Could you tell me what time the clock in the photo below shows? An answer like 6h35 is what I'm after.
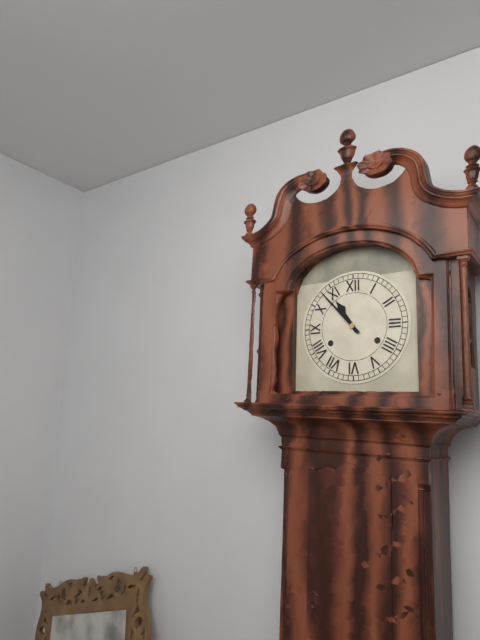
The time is 10h53
